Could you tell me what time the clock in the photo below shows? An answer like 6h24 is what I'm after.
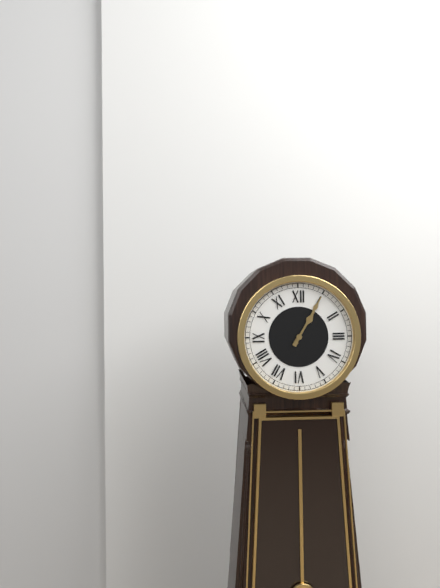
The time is 1h05
